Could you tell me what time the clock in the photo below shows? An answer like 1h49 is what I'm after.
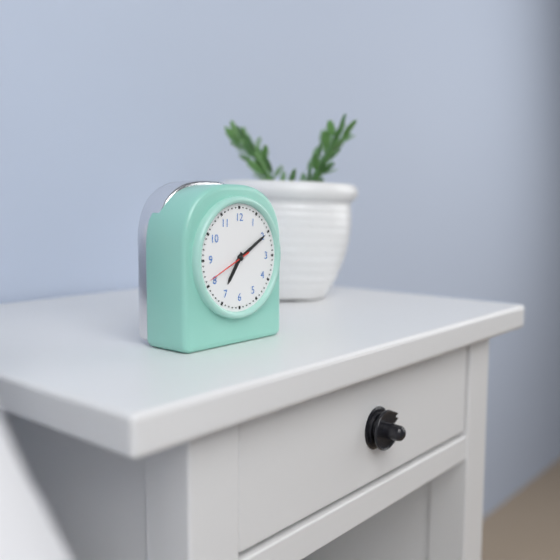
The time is 7h10
